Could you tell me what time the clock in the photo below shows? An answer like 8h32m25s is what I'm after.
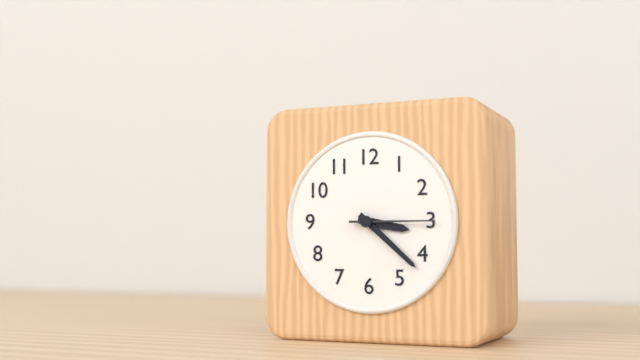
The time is 3h22m15s
